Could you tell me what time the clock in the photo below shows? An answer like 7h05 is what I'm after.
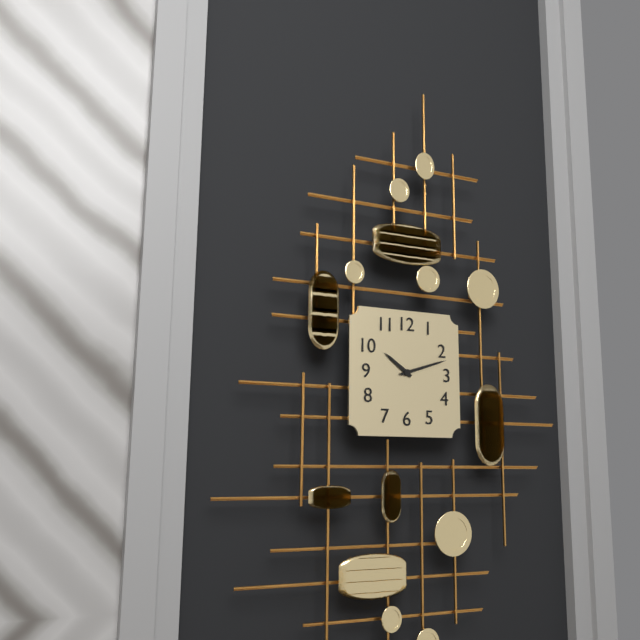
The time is 10h12
